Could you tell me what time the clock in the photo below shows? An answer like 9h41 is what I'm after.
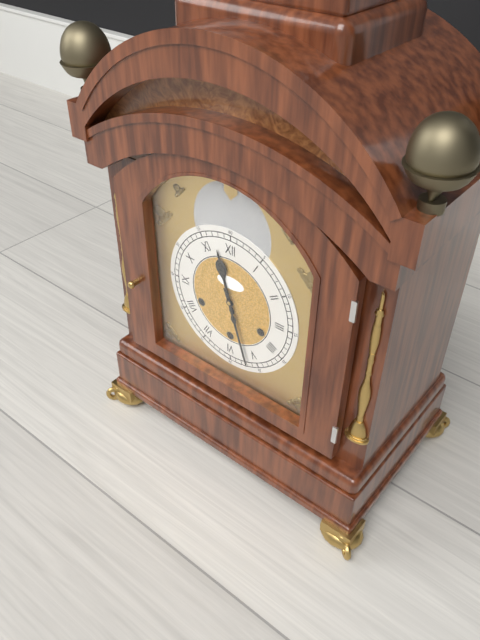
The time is 11h27
